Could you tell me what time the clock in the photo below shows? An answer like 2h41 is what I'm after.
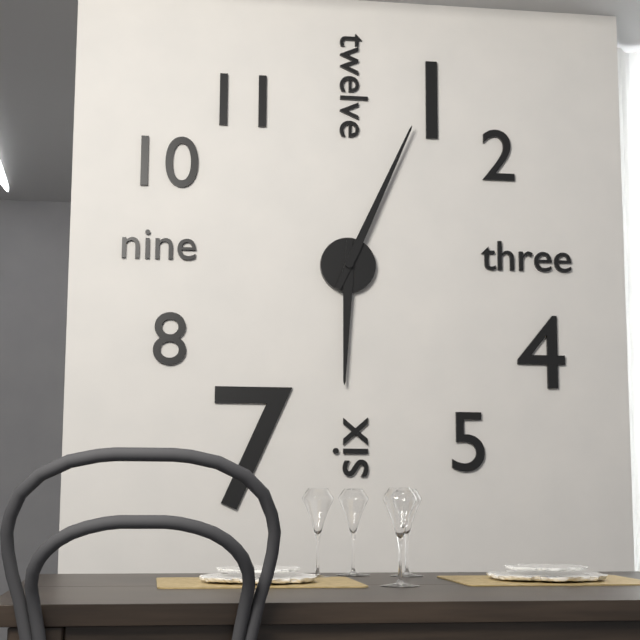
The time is 6h04
